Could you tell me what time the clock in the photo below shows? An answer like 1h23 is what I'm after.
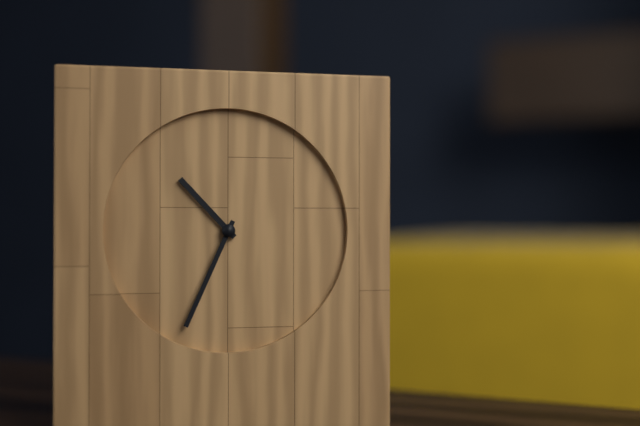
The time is 10h34
